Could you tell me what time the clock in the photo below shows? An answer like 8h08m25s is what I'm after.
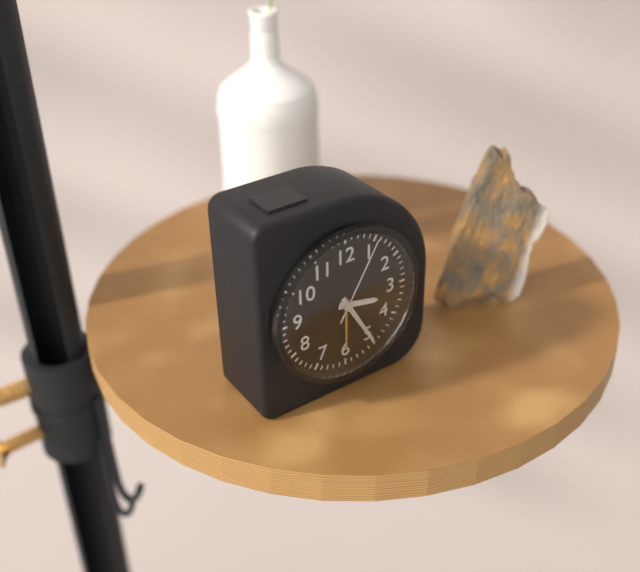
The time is 3h25m05s
